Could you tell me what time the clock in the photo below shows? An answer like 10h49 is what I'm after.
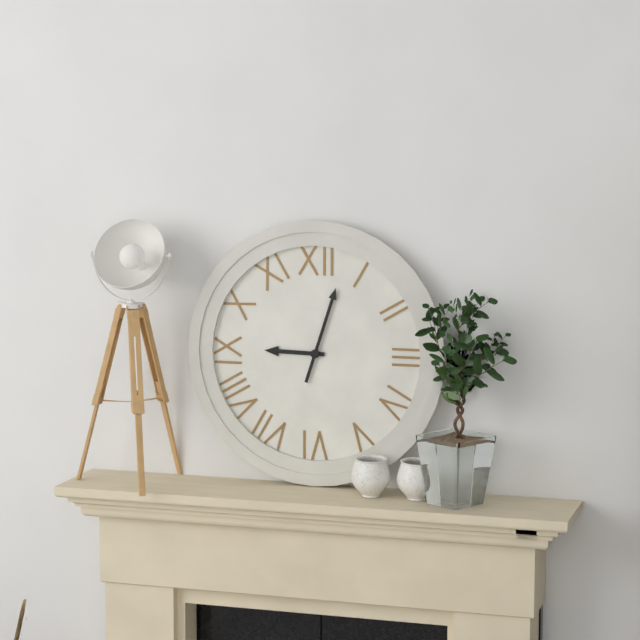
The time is 9h03
